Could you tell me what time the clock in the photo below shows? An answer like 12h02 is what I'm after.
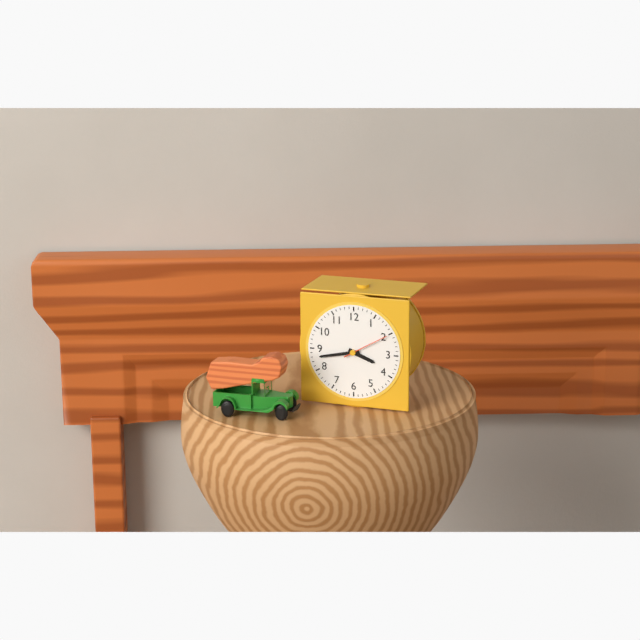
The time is 3h43
